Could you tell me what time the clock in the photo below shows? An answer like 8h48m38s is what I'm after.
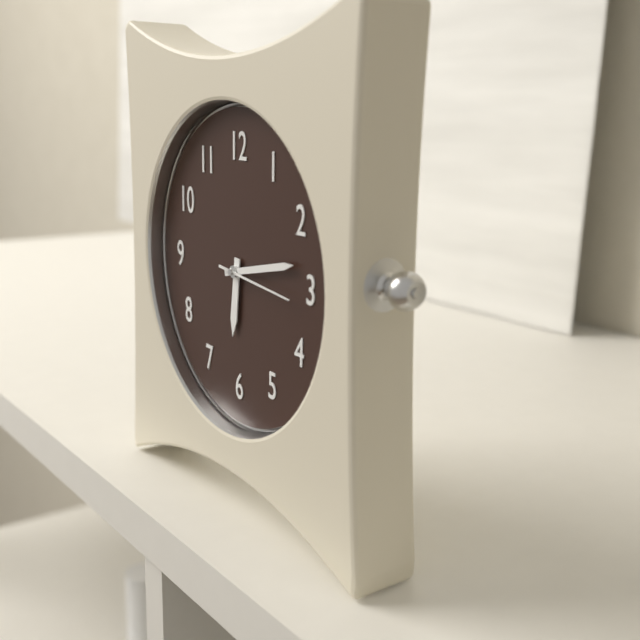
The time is 6h13m16s
